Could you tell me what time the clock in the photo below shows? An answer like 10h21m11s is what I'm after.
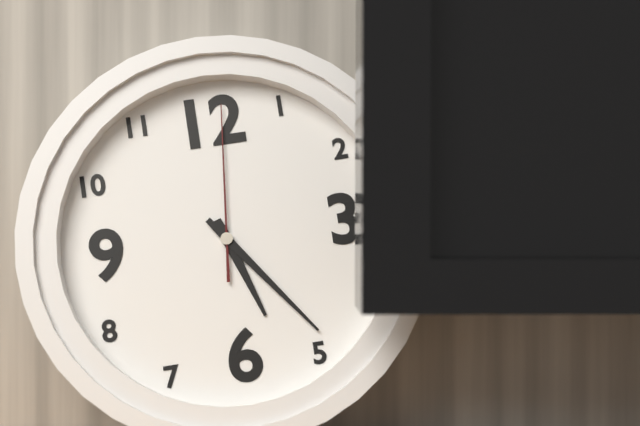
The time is 5h24m01s
